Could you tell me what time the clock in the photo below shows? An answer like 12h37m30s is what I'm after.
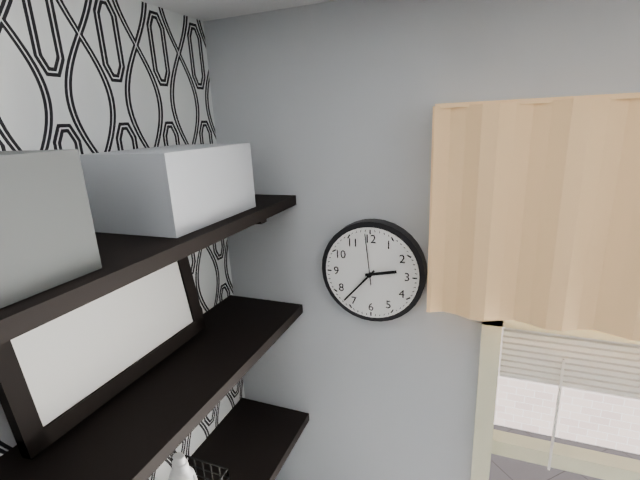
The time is 2h37m59s
